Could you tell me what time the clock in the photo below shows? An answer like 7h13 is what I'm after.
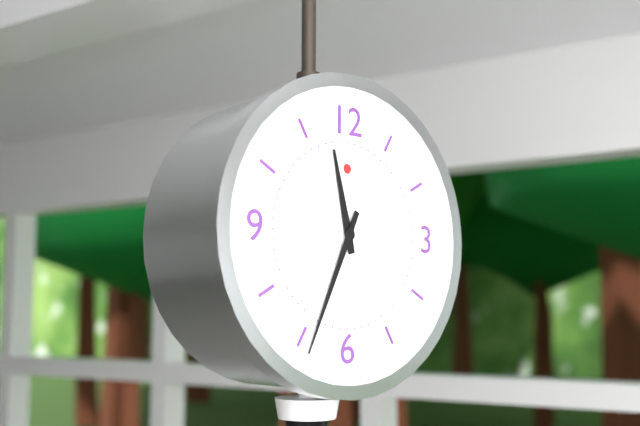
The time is 11h34
